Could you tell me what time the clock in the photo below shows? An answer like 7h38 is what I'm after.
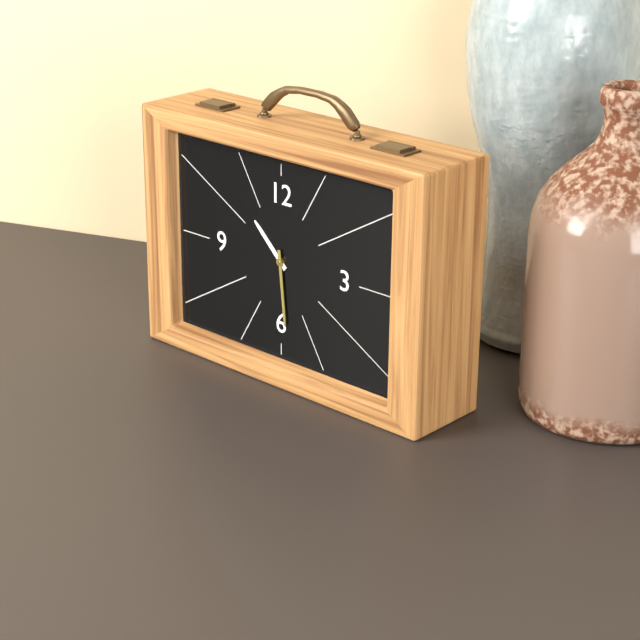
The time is 10h29
